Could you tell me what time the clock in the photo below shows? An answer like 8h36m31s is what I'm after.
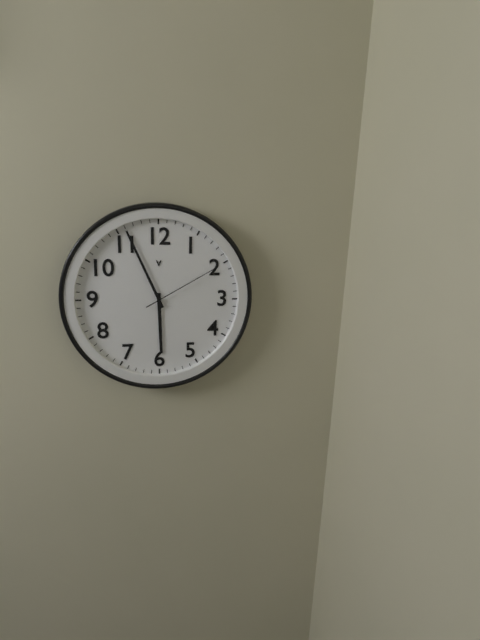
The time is 5h56m10s
